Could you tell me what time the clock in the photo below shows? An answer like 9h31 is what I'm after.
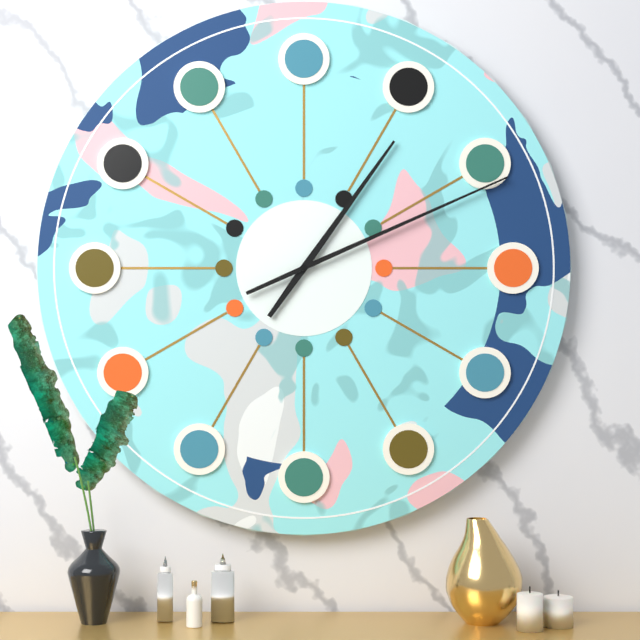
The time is 1h11
